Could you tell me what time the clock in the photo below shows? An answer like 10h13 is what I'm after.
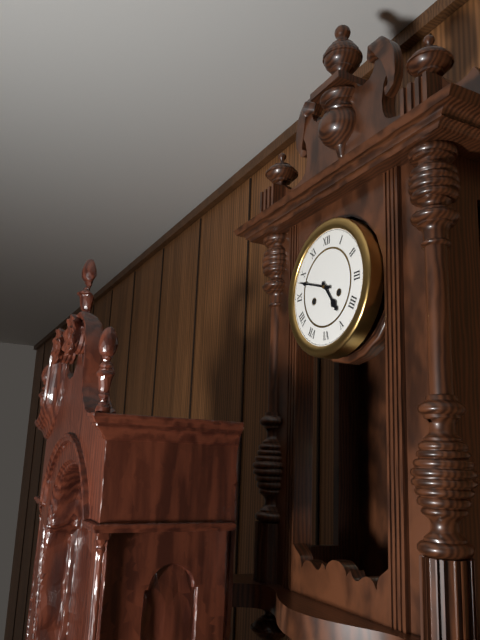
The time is 4h48
